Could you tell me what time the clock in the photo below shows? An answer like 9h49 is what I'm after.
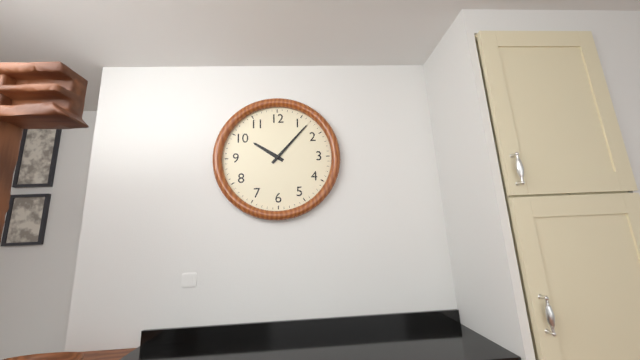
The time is 10h07
